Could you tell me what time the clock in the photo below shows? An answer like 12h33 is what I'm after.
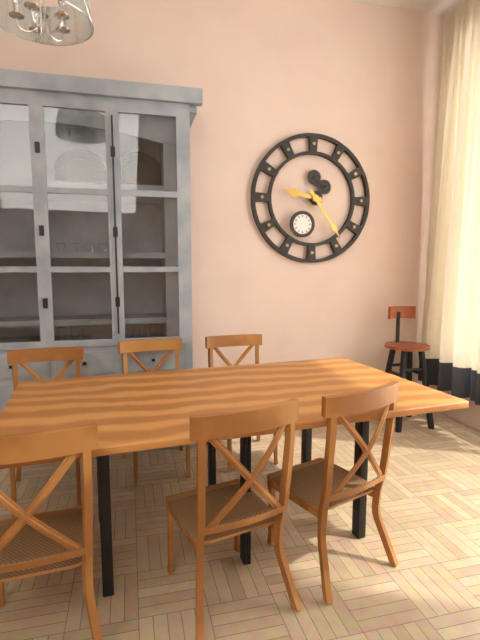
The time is 9h24
